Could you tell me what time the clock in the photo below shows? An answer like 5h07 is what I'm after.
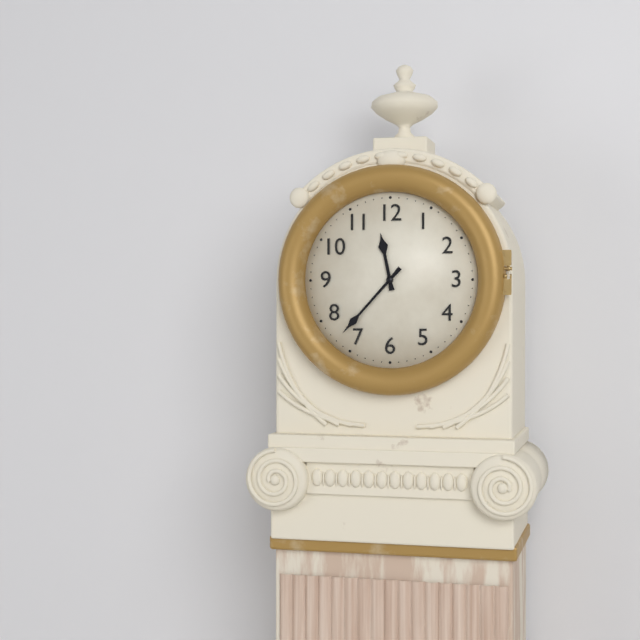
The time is 11h37
